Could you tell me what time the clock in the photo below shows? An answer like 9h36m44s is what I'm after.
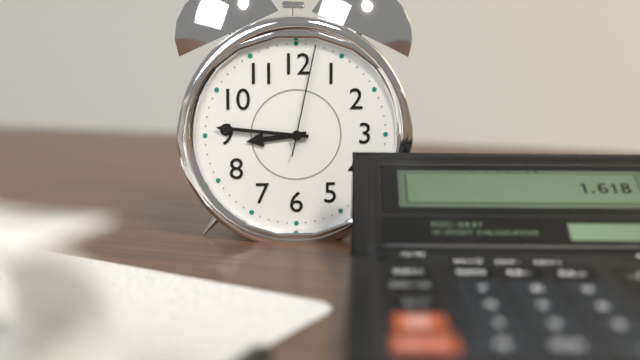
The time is 8h46m02s
